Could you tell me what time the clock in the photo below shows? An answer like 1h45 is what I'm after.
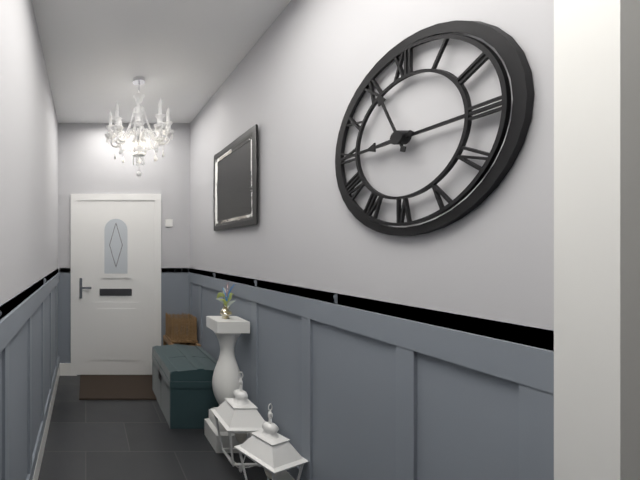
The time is 8h56
